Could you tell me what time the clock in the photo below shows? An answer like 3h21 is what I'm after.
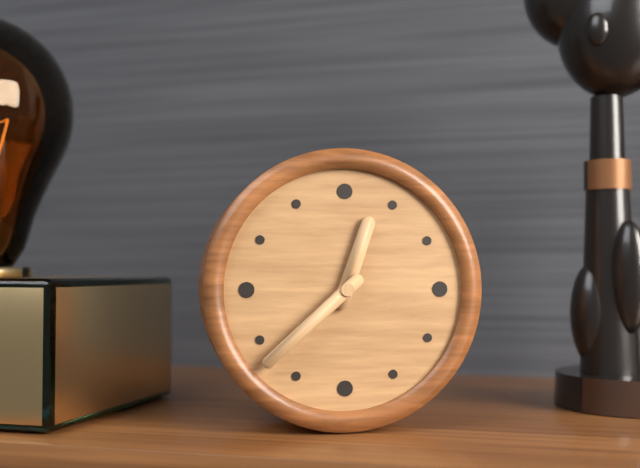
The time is 12h38
